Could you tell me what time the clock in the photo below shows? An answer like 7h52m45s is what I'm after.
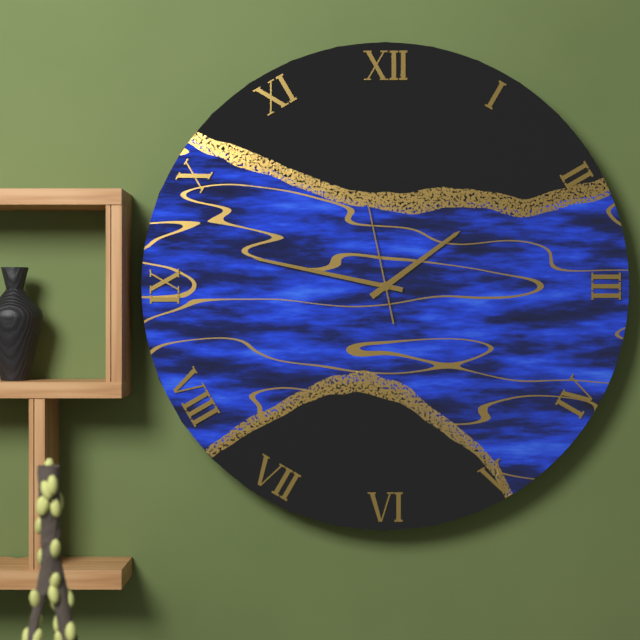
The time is 1h47m58s
